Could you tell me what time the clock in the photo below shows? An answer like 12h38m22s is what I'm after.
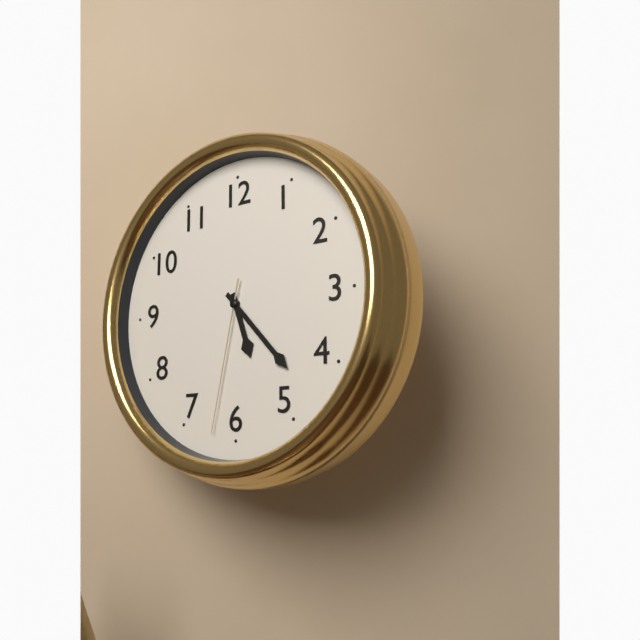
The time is 5h23m32s
